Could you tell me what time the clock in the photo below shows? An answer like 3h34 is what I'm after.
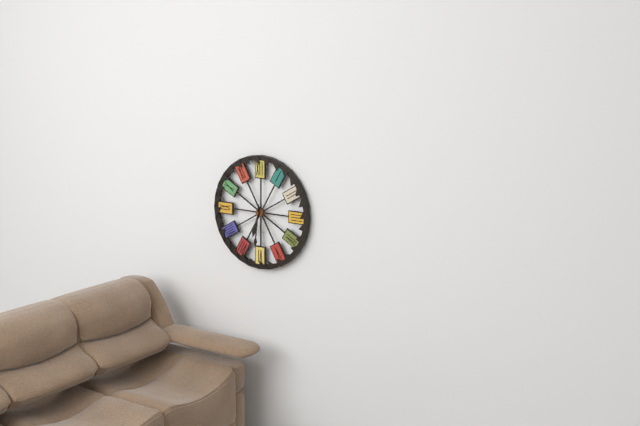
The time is 6h31
